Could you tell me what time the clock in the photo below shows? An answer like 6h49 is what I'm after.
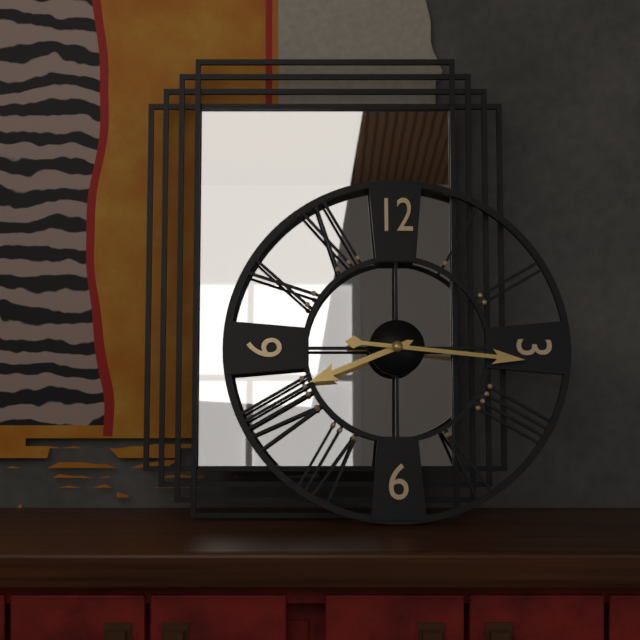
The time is 8h16
